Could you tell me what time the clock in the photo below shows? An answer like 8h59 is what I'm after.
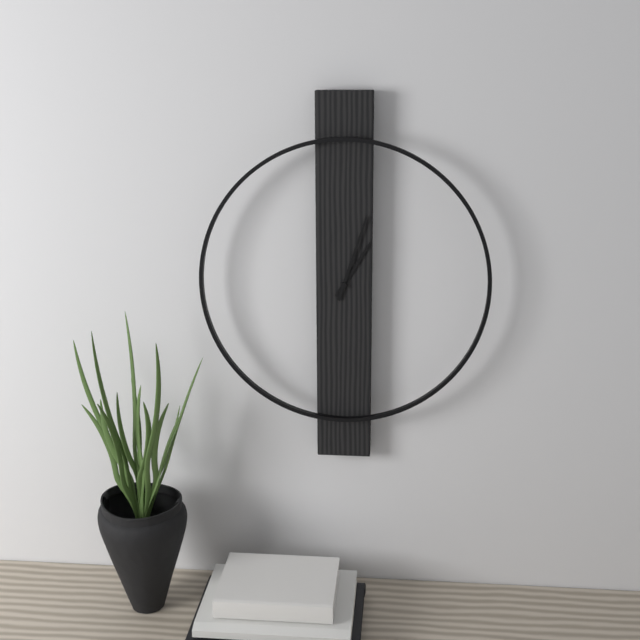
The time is 1h03
